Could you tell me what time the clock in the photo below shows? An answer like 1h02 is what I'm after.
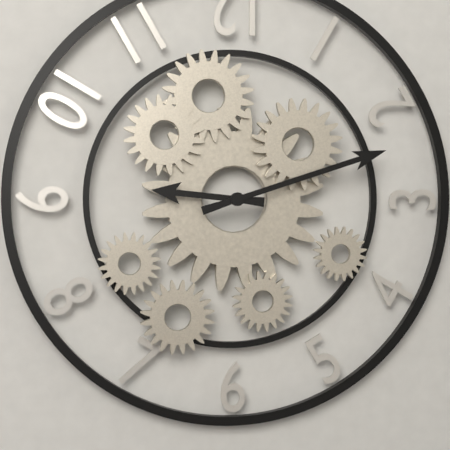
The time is 9h12
